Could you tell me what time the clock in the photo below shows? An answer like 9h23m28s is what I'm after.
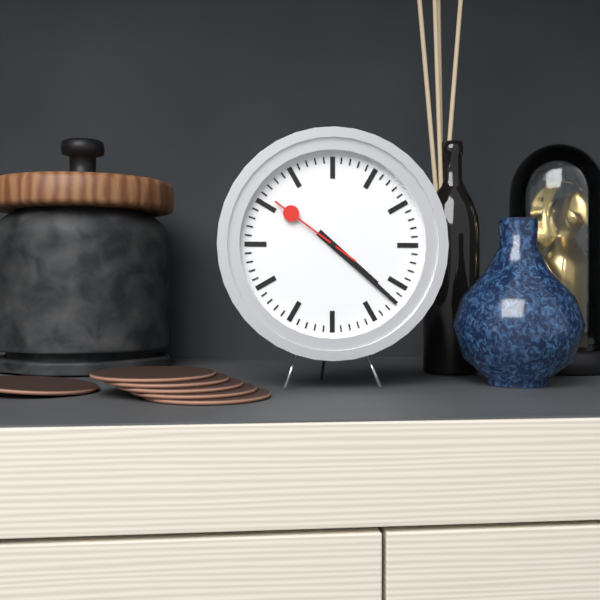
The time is 4h22m51s
